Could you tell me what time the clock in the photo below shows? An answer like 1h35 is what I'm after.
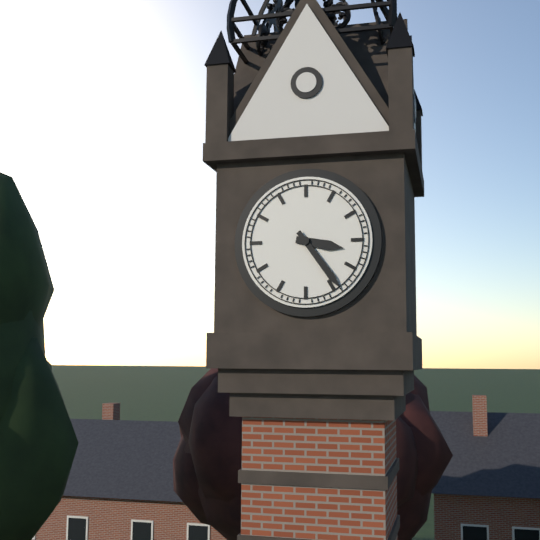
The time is 3h24
